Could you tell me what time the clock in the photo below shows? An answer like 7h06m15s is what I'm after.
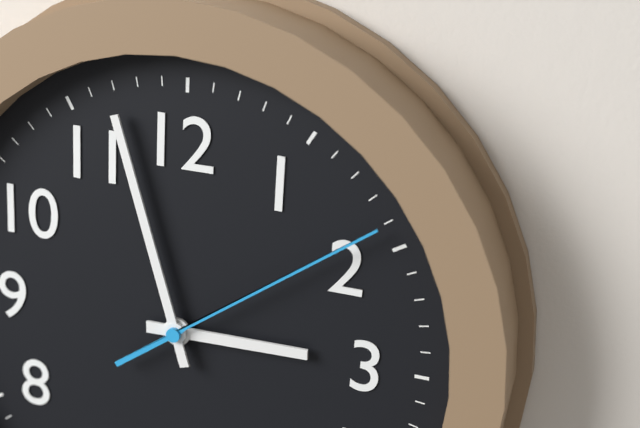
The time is 2h57m09s
